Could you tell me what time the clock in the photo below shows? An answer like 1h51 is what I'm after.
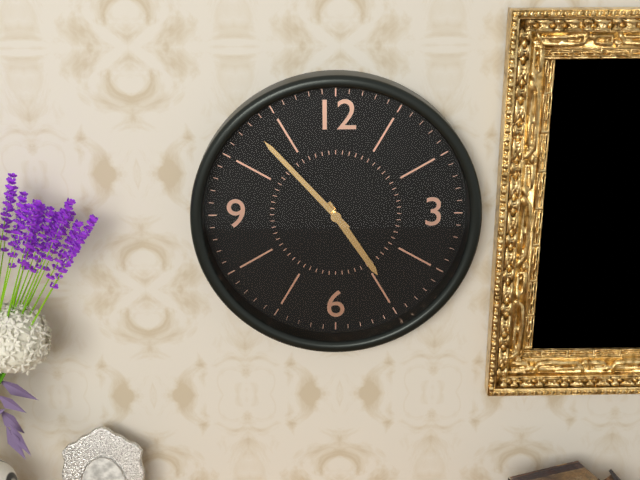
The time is 4h53
